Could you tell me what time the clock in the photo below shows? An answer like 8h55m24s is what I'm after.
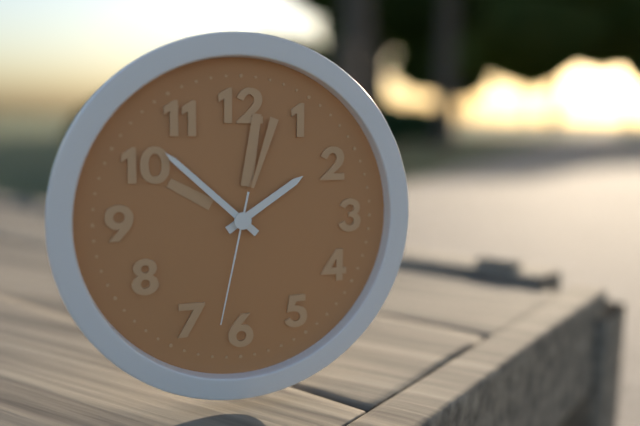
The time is 1h52m32s
